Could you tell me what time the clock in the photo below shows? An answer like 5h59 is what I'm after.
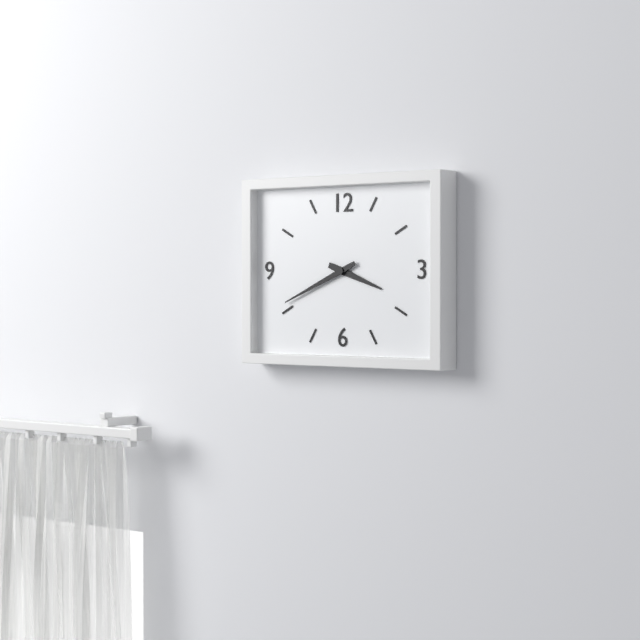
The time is 3h41
